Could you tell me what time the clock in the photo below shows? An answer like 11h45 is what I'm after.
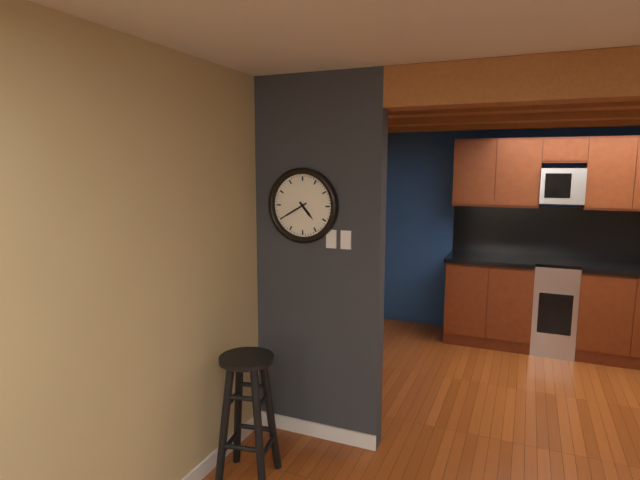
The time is 4h40
